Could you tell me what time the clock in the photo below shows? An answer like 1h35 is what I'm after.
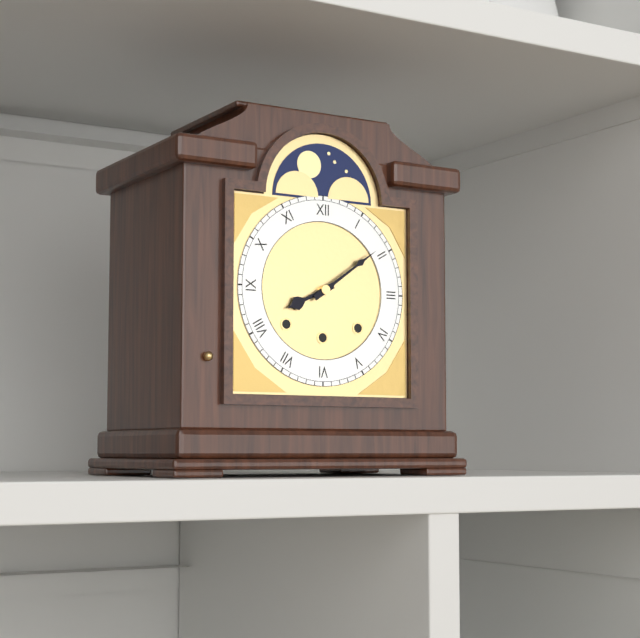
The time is 8h09
